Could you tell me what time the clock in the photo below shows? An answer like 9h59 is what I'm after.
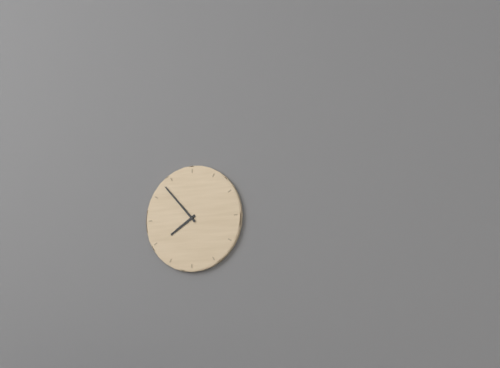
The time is 7h53
